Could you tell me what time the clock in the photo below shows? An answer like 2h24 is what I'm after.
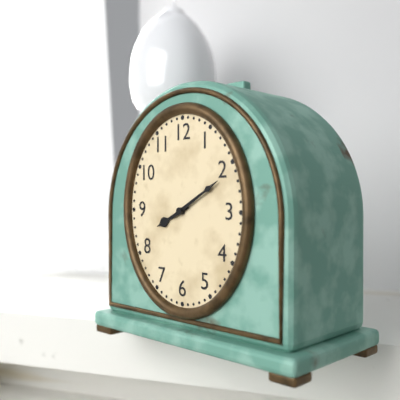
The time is 8h10
